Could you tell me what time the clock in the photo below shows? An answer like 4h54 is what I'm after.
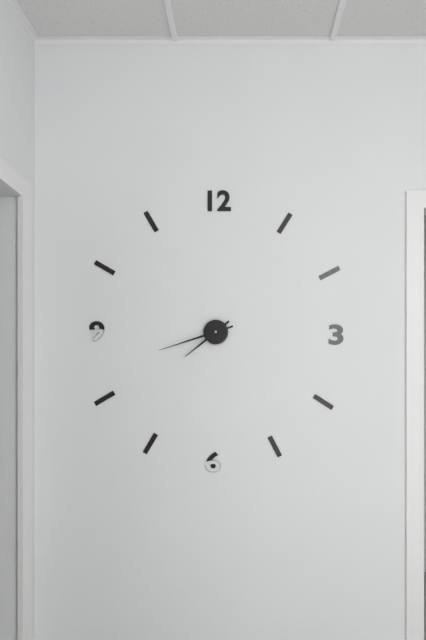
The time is 7h42
